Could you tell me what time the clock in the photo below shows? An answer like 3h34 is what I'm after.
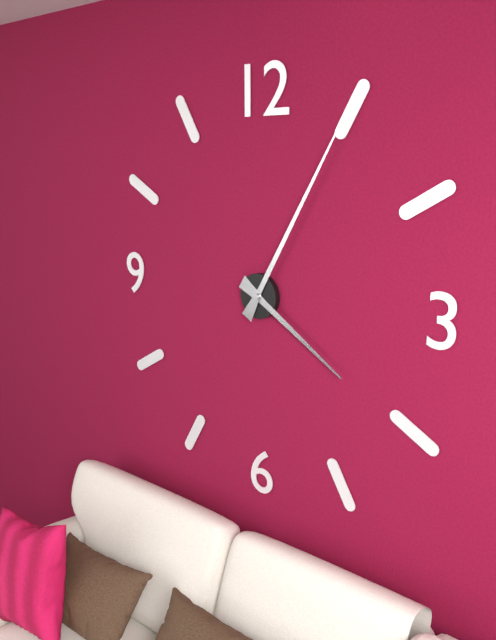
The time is 4h05
